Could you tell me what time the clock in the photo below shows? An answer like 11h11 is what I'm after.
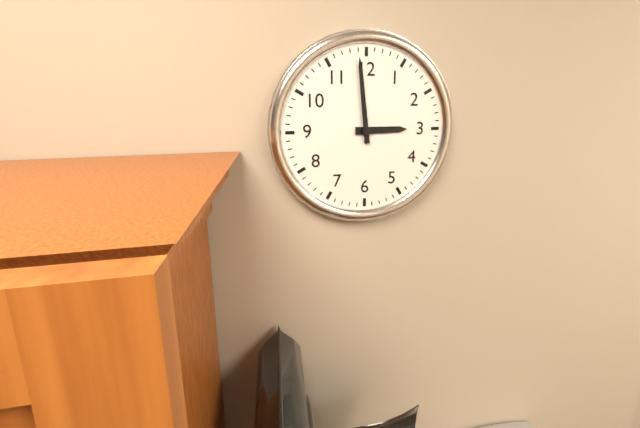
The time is 2h59
